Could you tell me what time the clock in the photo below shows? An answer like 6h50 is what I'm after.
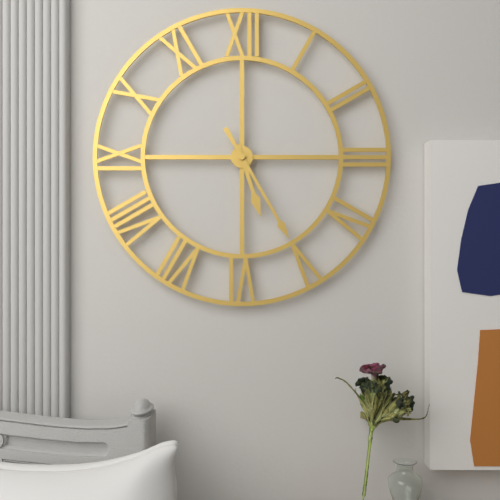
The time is 5h25
